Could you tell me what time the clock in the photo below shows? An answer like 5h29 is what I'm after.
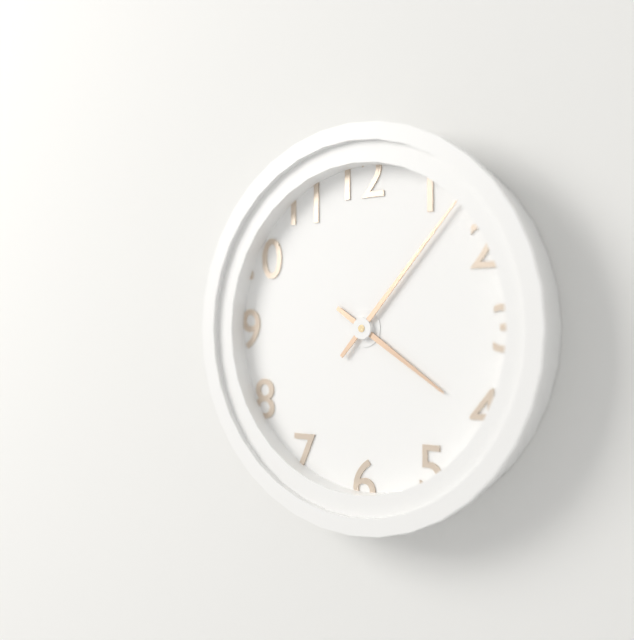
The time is 4h07
